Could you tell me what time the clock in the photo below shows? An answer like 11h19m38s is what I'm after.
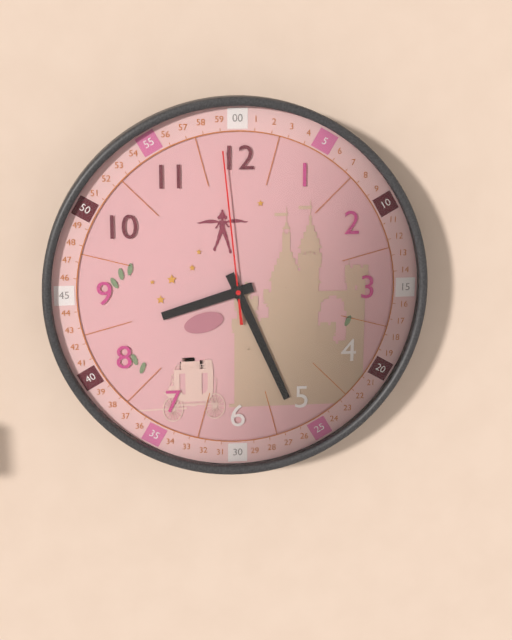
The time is 8h26m59s
